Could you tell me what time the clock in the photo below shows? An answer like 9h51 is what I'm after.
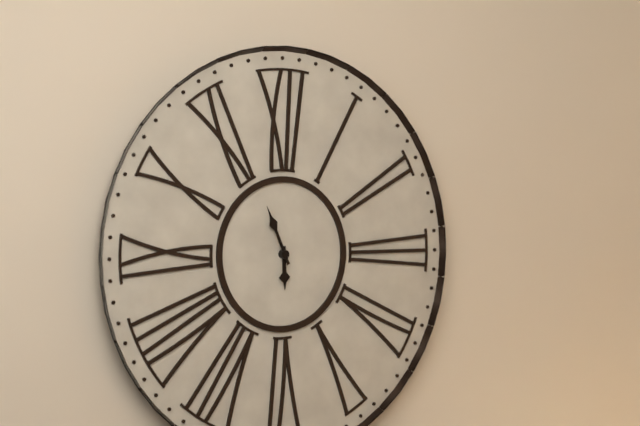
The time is 5h56
